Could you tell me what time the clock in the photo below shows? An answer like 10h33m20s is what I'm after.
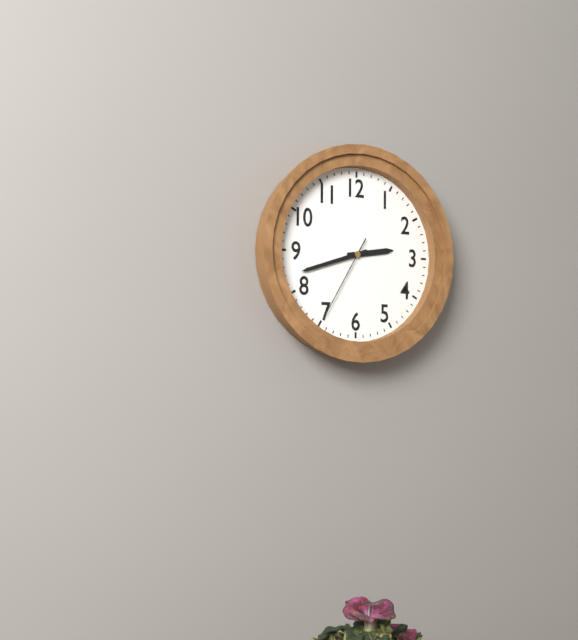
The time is 2h42m35s
